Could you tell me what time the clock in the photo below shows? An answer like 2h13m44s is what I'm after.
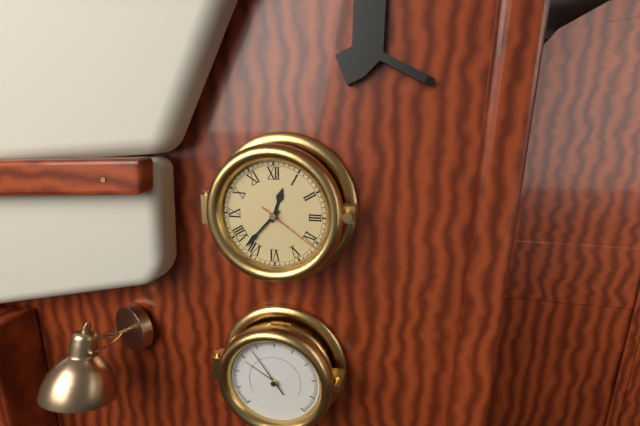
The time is 12h37m21s
